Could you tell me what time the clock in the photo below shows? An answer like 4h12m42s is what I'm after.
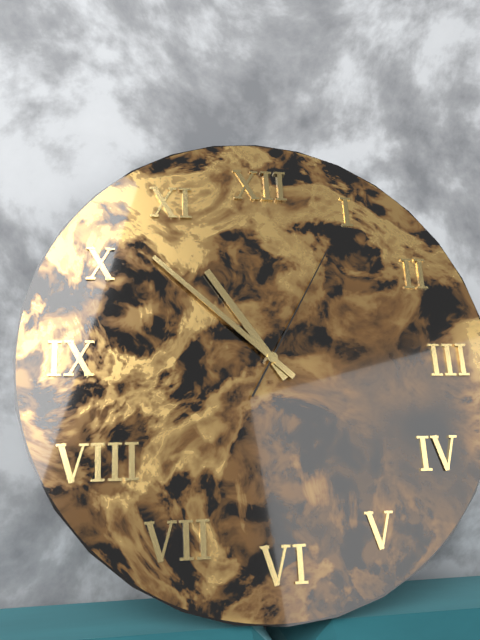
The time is 10h52m05s
